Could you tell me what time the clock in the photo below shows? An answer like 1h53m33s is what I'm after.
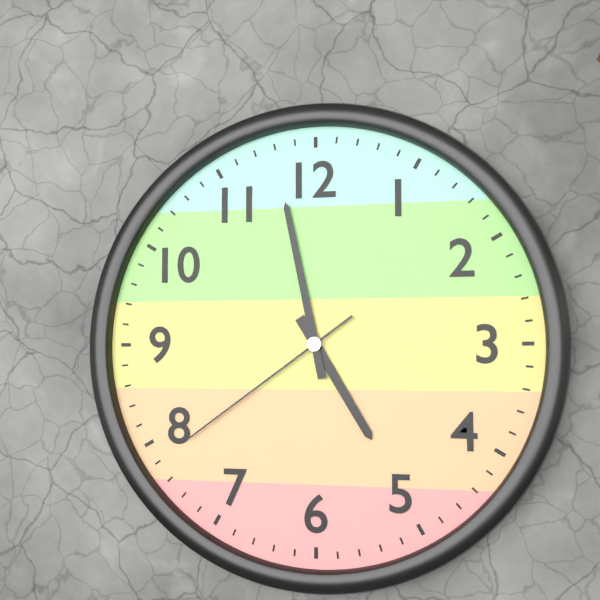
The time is 4h58m39s
